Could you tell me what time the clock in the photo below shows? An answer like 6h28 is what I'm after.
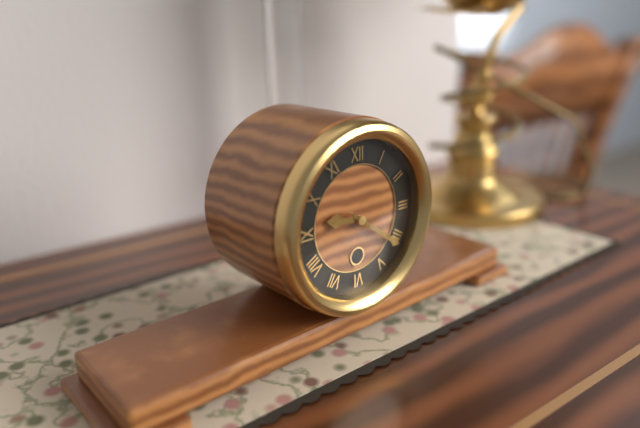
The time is 9h21
